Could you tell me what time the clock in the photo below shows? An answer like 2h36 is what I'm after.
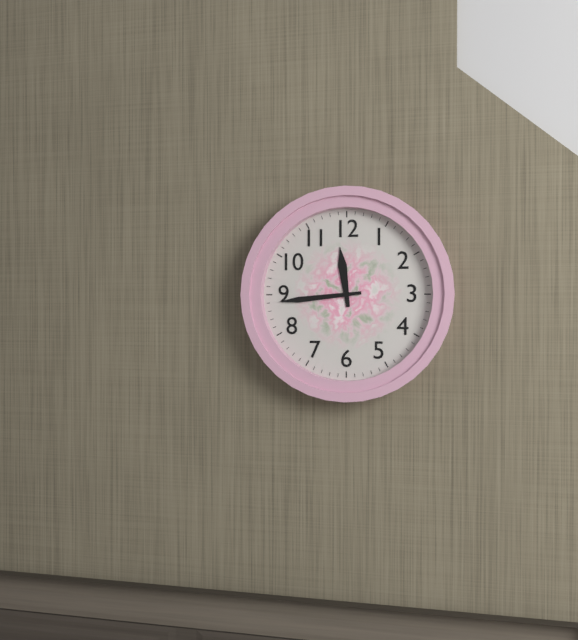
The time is 11h44
